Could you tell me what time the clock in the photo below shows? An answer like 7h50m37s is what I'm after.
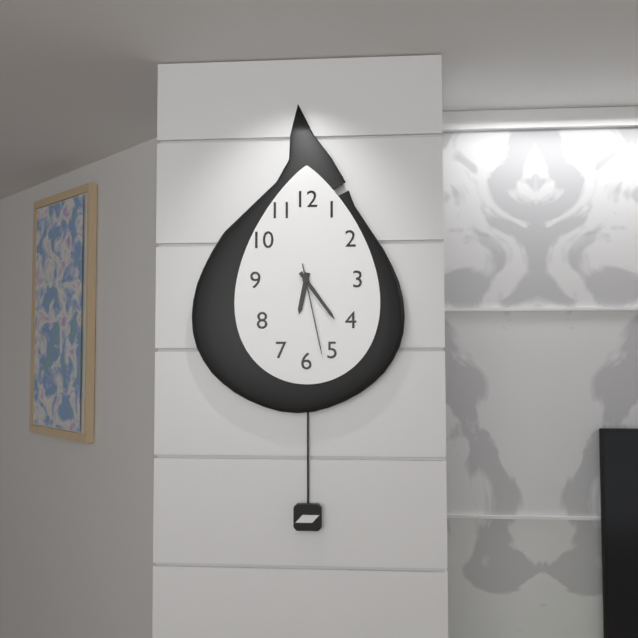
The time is 6h24m28s
